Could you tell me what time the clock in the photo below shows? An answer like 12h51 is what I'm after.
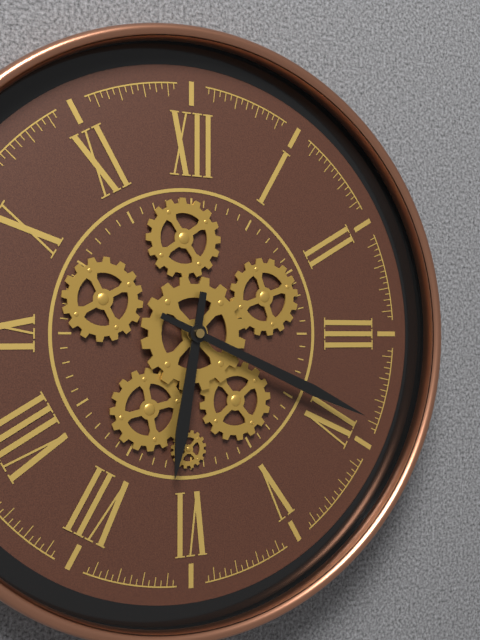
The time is 6h19
